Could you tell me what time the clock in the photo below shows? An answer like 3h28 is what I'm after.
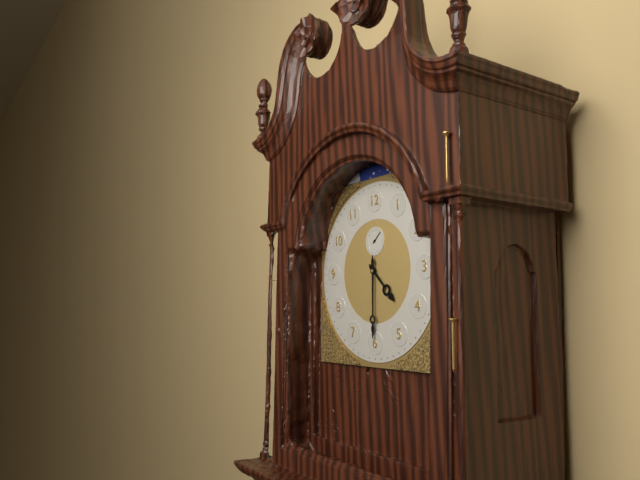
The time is 4h30
